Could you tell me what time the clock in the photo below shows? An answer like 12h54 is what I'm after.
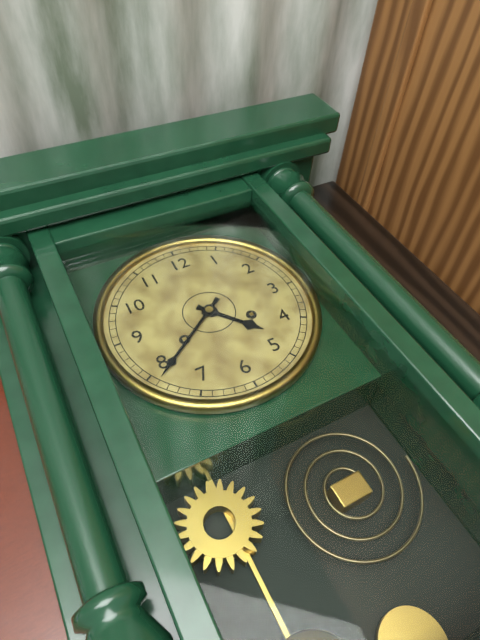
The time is 4h39
